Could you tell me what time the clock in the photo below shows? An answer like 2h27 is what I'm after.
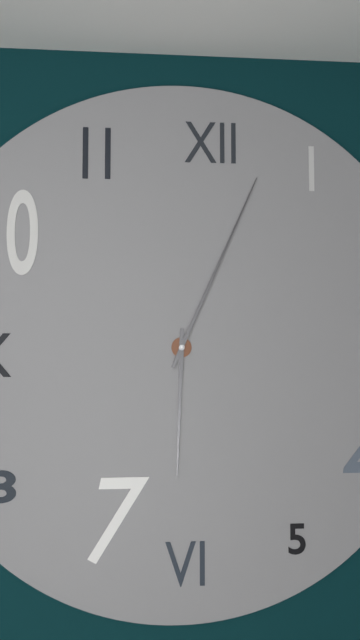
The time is 6h04
